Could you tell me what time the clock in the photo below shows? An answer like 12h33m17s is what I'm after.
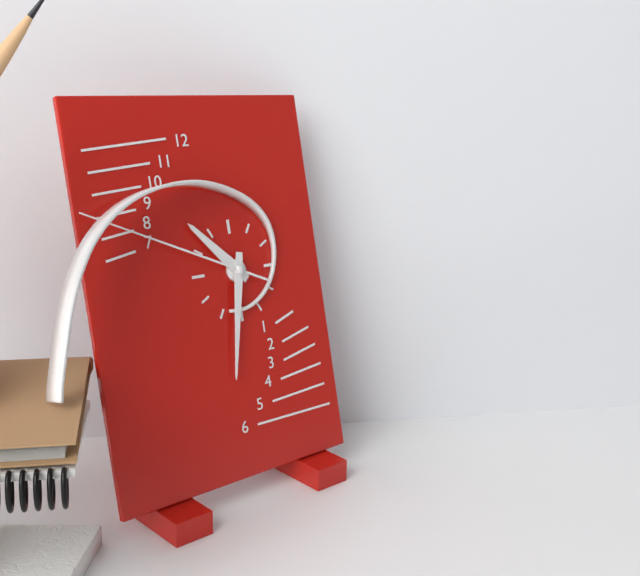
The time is 10h32m49s
